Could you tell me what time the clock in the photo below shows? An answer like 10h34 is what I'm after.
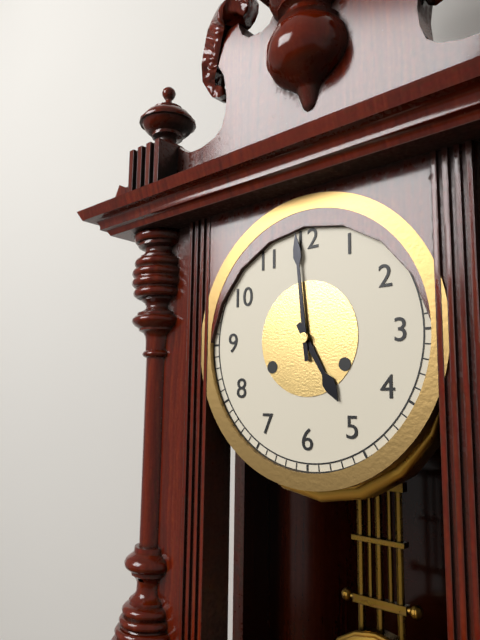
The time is 4h59
